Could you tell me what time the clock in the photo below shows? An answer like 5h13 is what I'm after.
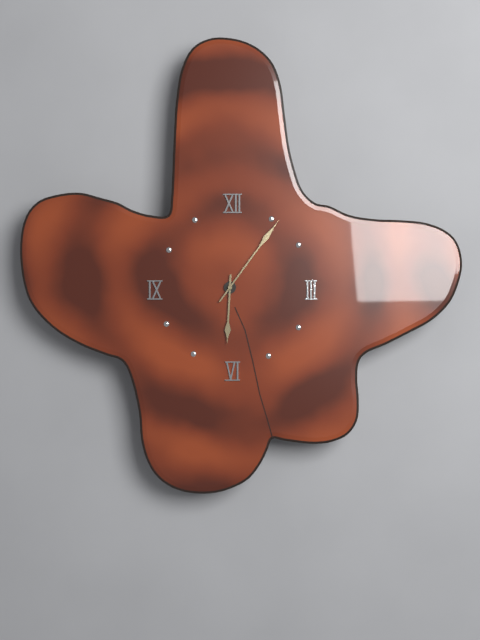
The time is 6h06
